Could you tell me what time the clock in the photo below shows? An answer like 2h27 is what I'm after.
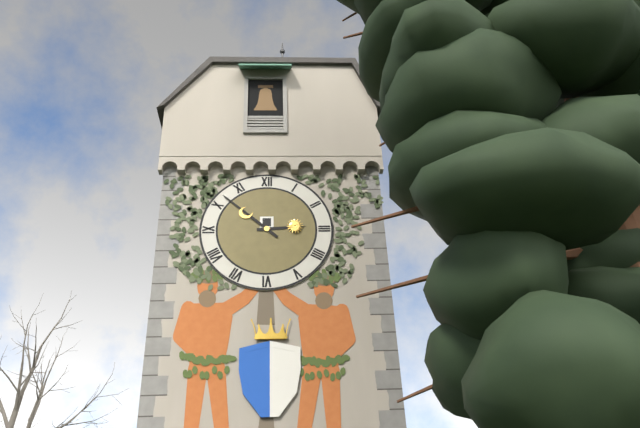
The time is 2h52
